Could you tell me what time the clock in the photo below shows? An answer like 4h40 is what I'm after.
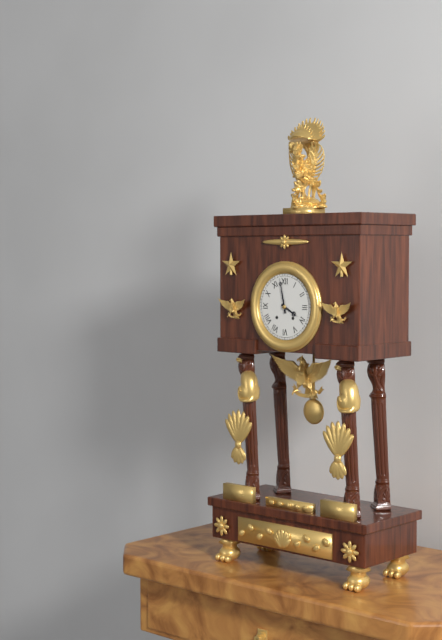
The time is 3h58
